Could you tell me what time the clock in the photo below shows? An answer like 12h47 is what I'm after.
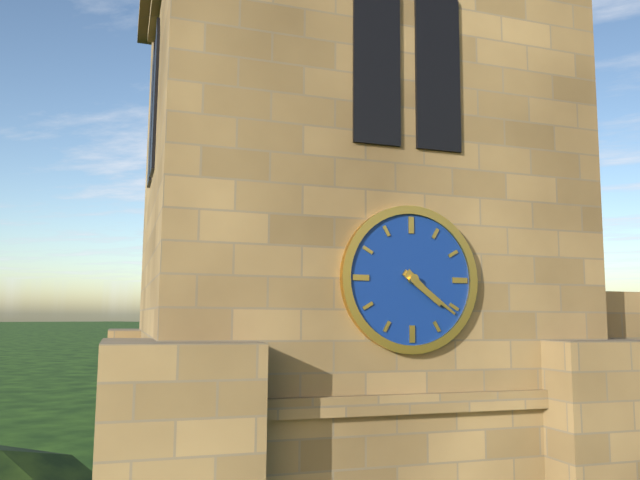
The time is 4h21
